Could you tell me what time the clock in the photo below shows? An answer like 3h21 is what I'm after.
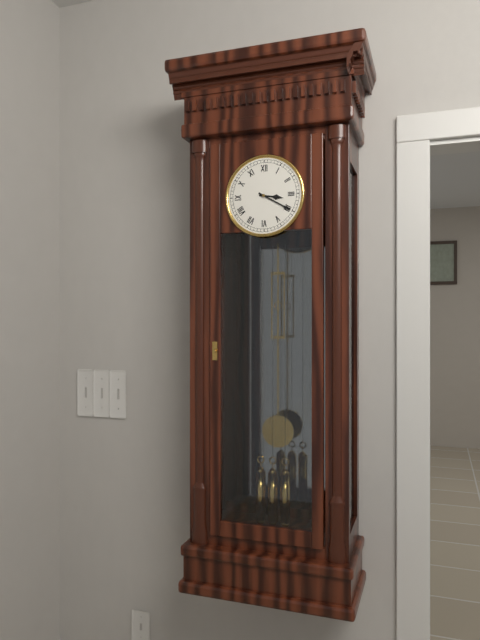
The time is 3h20
